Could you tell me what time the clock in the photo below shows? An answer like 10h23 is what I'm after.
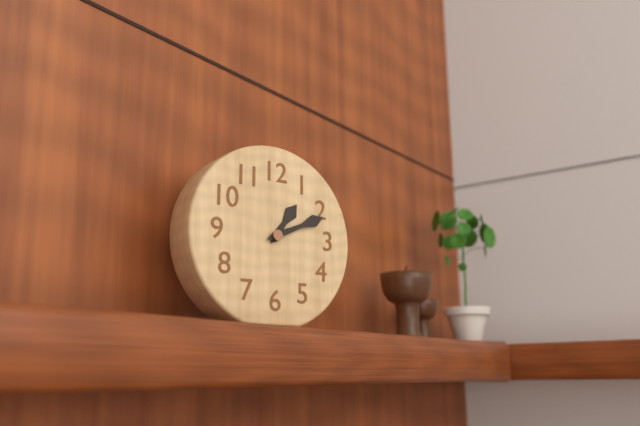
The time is 1h11
